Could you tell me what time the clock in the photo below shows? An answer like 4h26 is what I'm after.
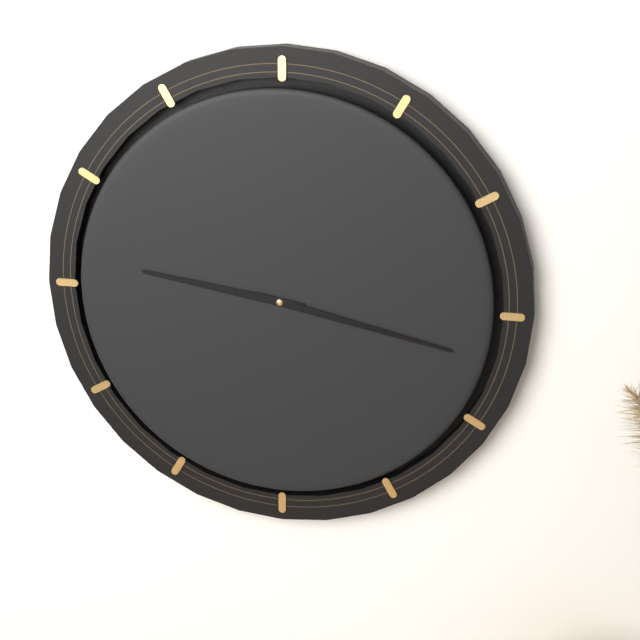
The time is 9h17
